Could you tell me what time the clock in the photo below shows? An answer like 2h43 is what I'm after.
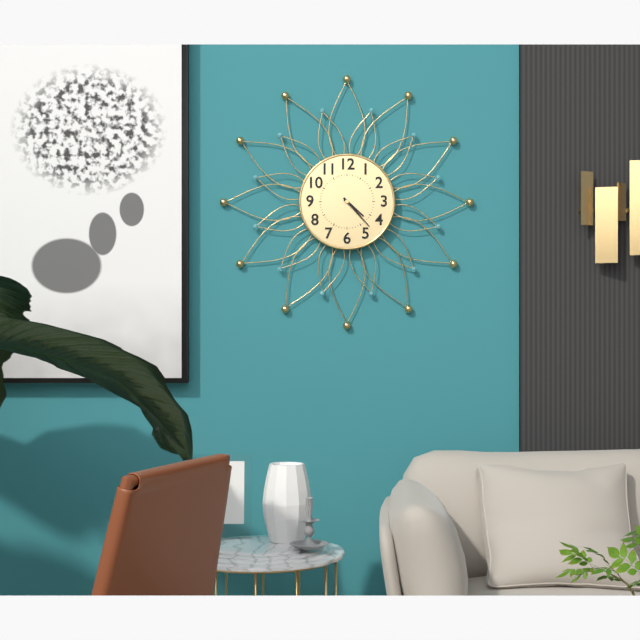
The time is 4h23
